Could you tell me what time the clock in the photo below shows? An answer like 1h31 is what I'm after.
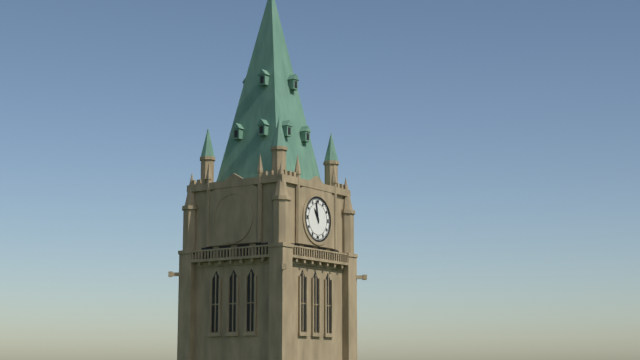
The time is 10h58
